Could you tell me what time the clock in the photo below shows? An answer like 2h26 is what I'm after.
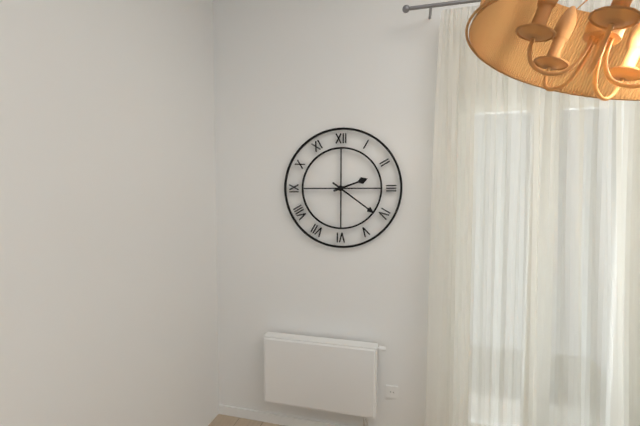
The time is 2h21
